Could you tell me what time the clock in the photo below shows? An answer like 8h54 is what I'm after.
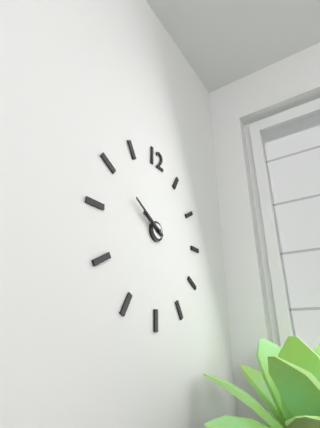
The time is 9h50
